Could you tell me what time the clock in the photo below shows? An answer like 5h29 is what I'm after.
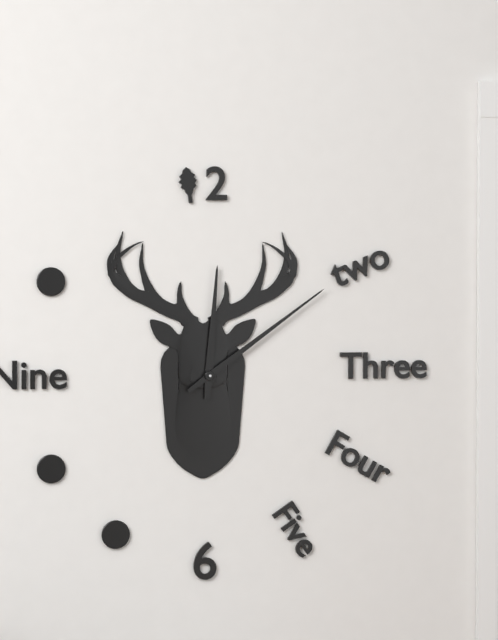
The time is 12h09
